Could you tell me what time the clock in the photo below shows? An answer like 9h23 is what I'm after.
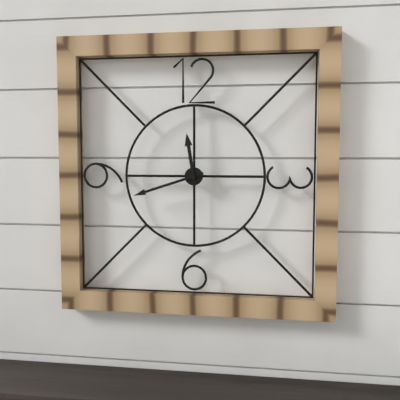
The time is 11h42
